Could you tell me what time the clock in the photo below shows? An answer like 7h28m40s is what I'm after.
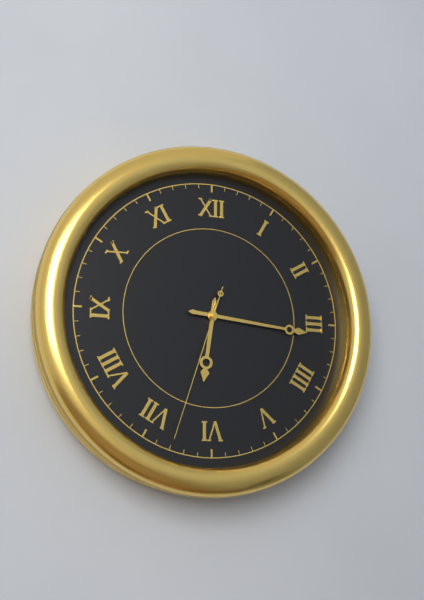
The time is 6h16m33s
